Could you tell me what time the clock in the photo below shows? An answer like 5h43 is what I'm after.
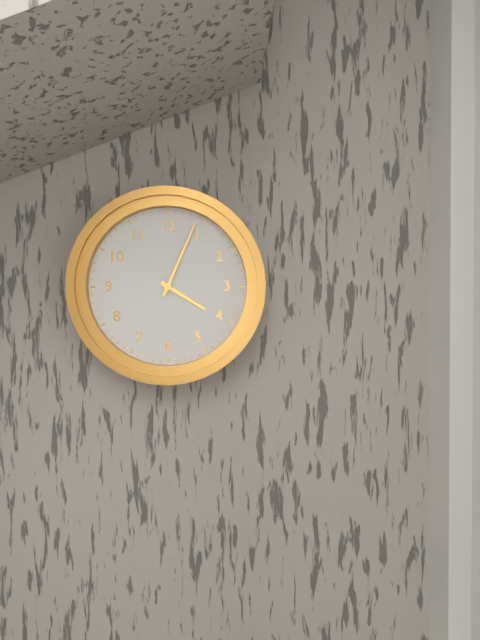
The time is 4h04
